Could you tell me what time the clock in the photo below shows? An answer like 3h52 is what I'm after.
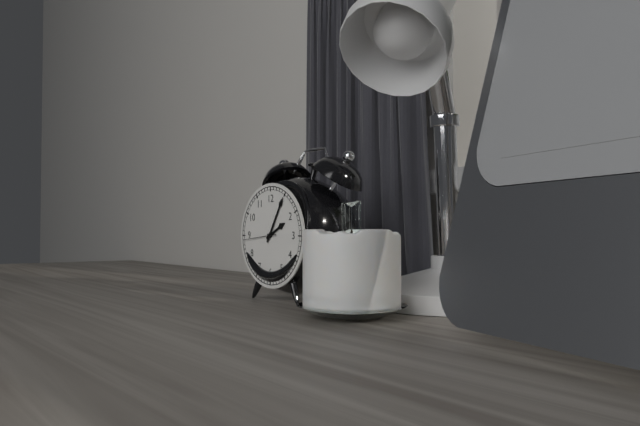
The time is 2h05
